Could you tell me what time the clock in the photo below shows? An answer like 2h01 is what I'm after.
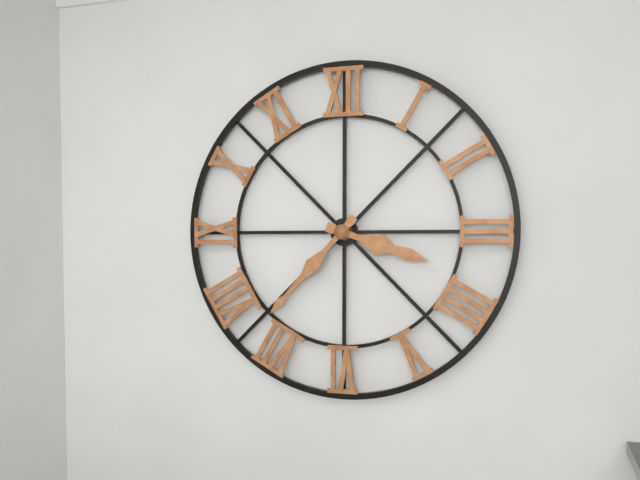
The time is 3h37
